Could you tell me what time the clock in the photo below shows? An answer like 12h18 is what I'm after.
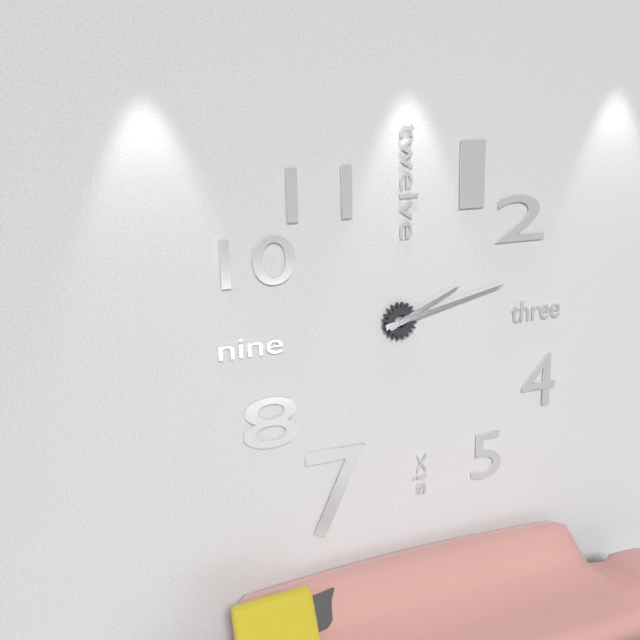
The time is 2h13
